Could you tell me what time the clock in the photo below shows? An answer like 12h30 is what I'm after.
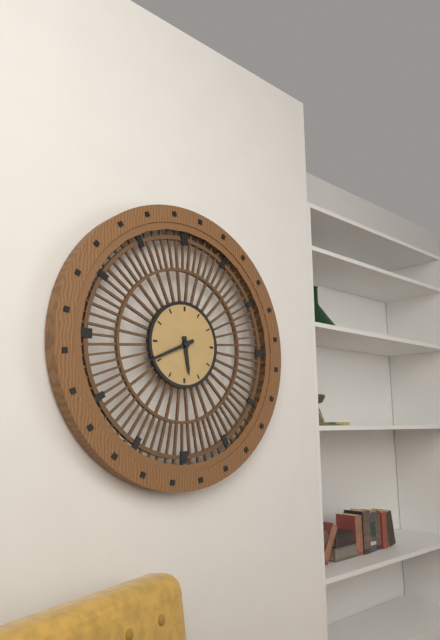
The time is 5h41
